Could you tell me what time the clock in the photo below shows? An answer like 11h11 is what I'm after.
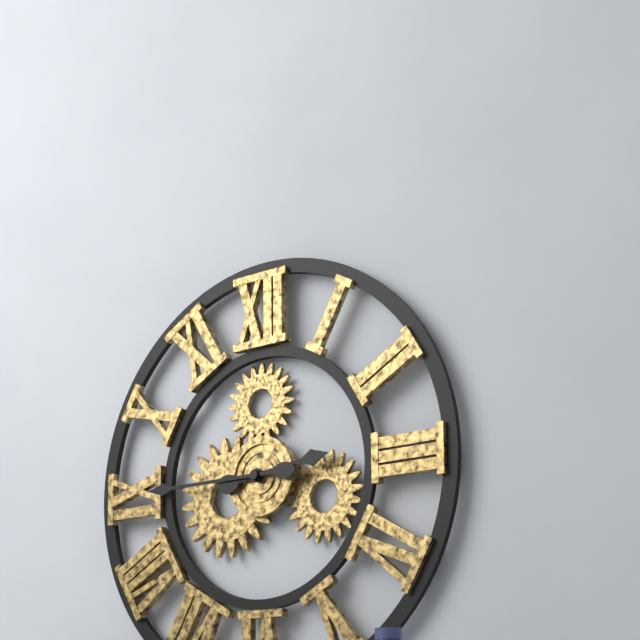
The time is 2h45
